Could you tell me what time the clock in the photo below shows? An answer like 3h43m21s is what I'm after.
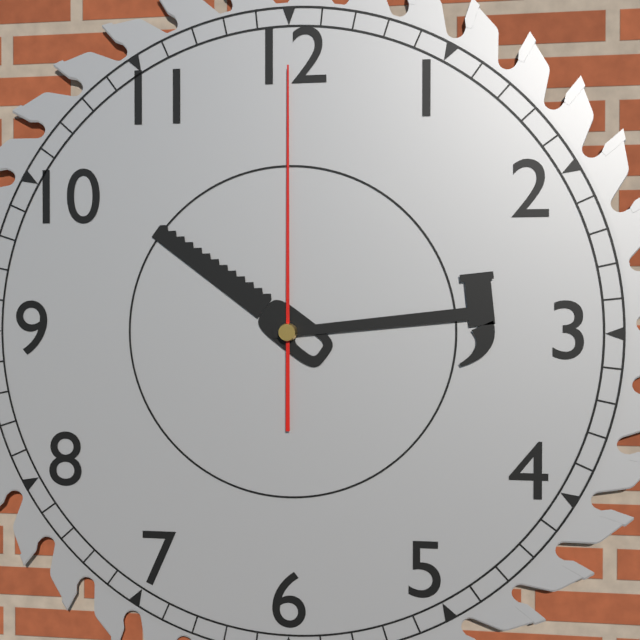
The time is 10h14m00s
